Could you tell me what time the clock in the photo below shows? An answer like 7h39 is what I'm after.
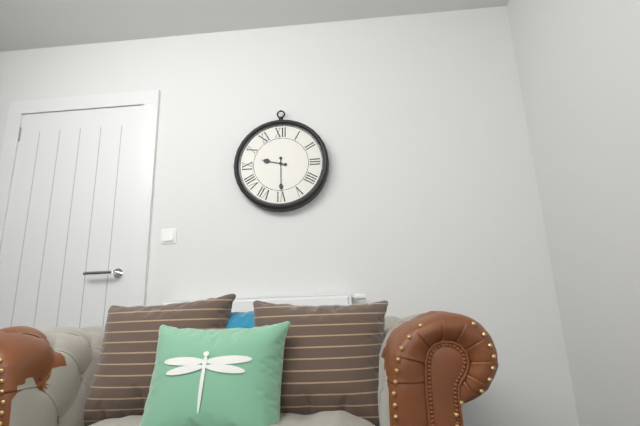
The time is 9h30
